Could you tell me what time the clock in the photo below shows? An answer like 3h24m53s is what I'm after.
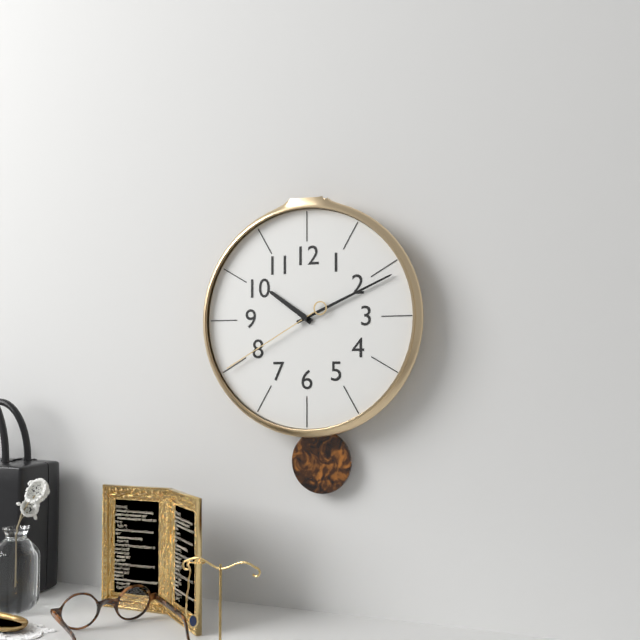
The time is 10h11m40s
